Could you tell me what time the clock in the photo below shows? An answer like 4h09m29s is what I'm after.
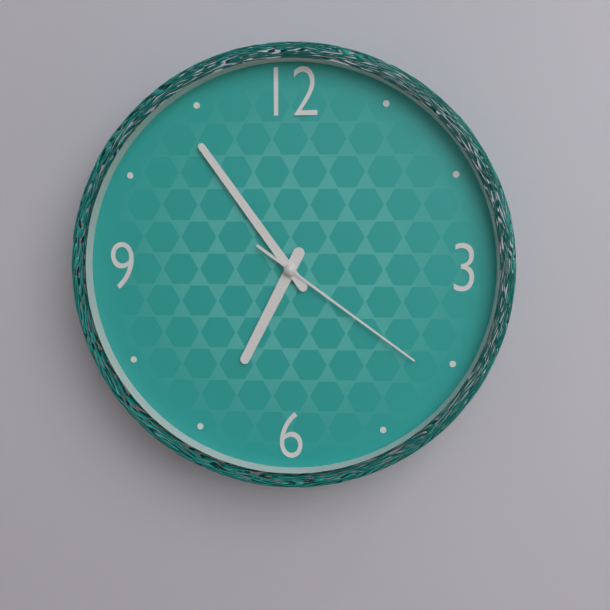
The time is 6h54m21s
